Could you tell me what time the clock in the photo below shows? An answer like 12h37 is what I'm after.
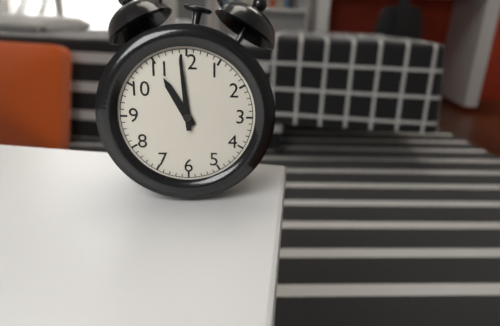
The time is 10h59
